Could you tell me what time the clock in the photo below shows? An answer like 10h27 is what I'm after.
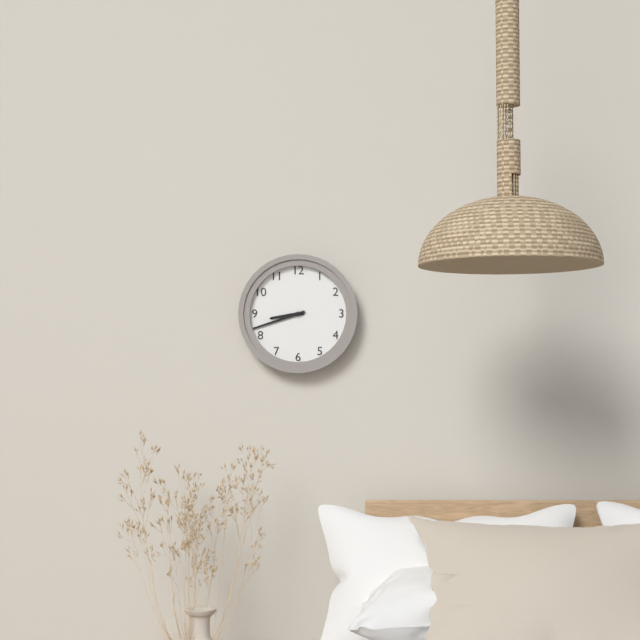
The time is 8h42
